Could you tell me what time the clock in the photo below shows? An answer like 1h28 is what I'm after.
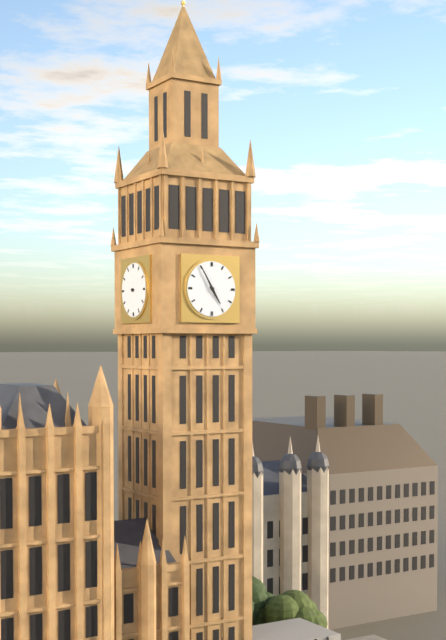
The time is 4h55
